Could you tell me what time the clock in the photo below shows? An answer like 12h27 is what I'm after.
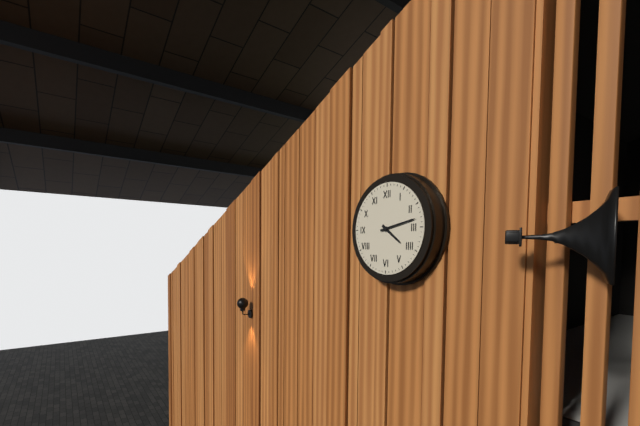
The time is 4h13
